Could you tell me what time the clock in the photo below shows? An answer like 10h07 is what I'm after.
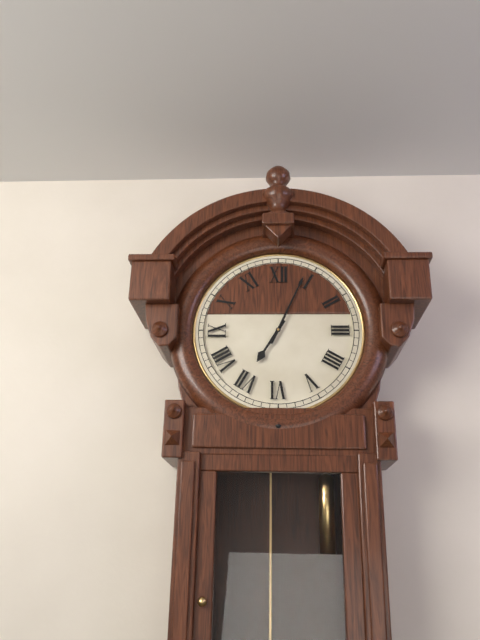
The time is 7h04
